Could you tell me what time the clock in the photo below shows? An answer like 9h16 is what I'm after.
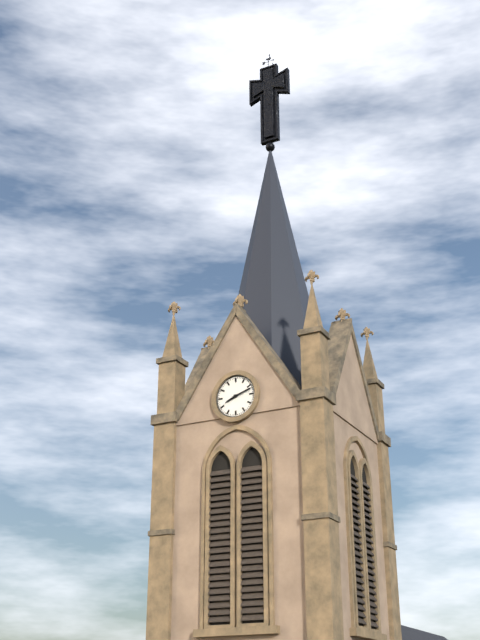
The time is 8h12
